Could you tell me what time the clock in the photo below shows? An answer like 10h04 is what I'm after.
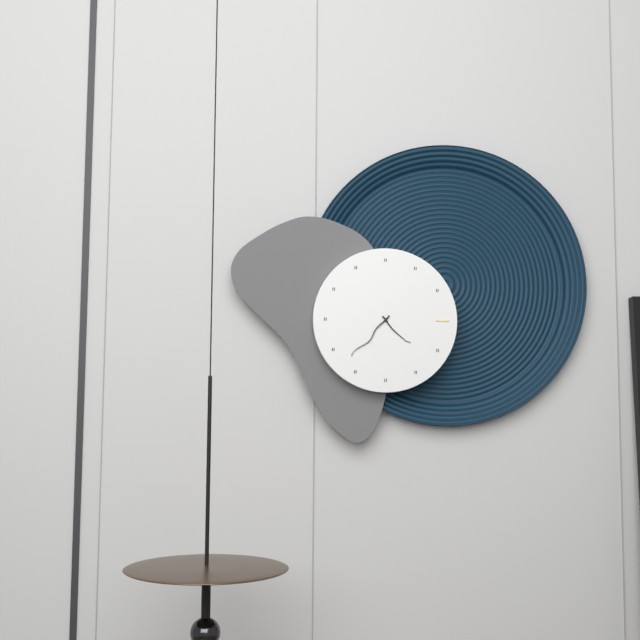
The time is 4h37
